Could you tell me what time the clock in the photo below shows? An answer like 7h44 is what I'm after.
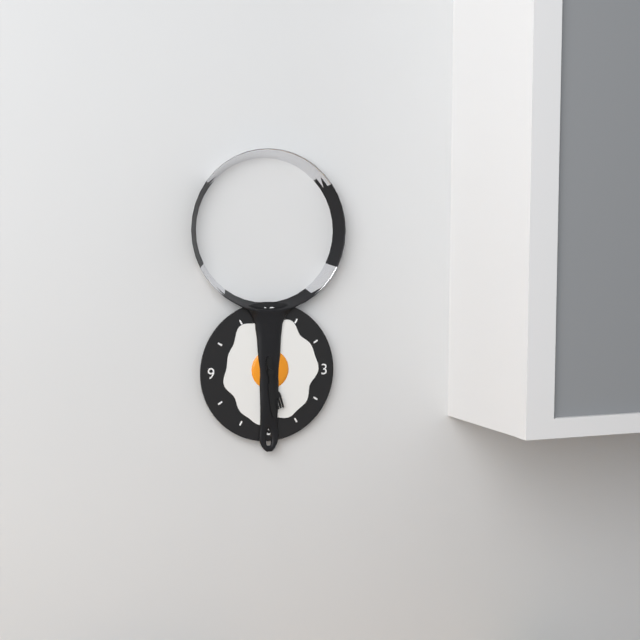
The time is 5h29
